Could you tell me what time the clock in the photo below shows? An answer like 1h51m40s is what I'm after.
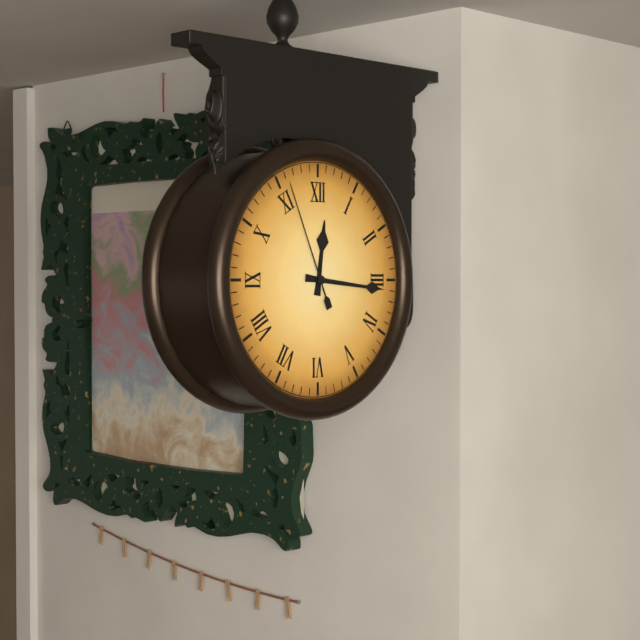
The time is 12h16m56s
